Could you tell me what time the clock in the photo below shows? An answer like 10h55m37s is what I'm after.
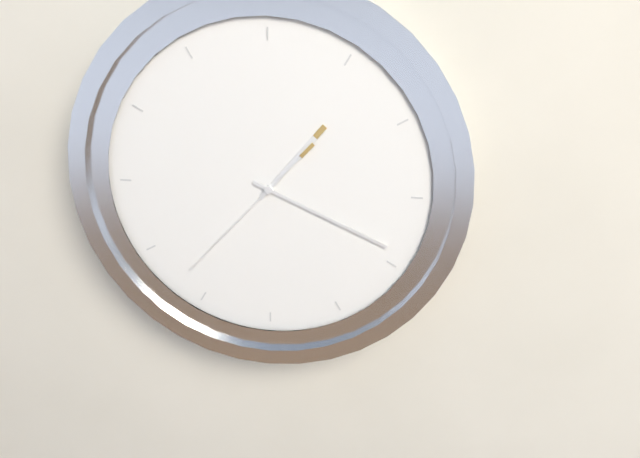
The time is 1h19m37s
